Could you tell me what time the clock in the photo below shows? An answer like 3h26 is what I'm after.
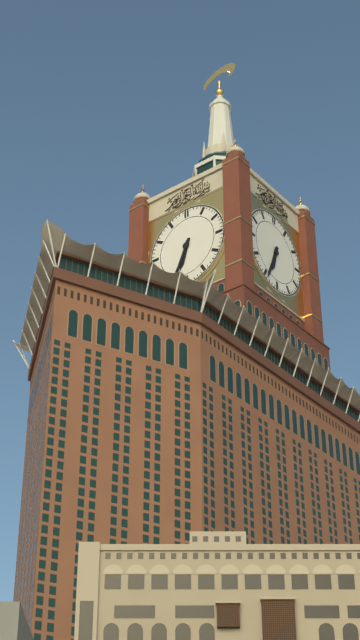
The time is 6h34
